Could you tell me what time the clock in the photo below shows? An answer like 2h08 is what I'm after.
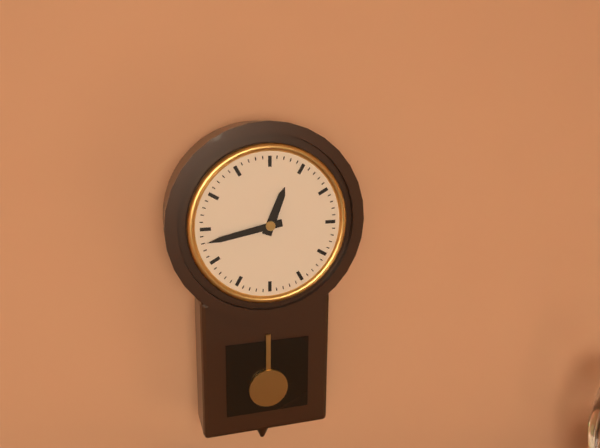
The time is 12h43
